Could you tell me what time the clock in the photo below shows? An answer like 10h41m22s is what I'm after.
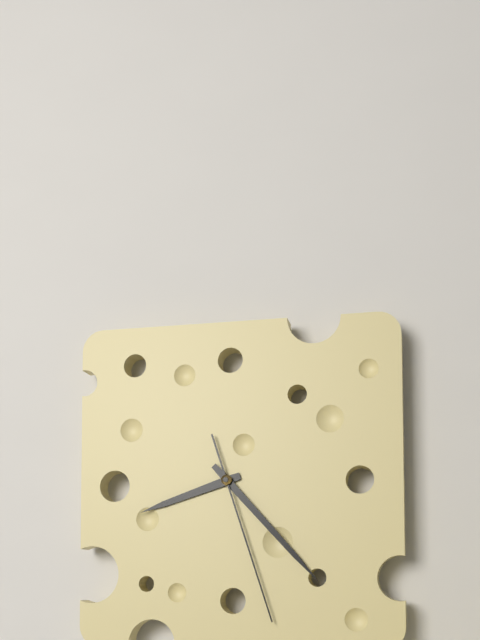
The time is 8h23m27s
